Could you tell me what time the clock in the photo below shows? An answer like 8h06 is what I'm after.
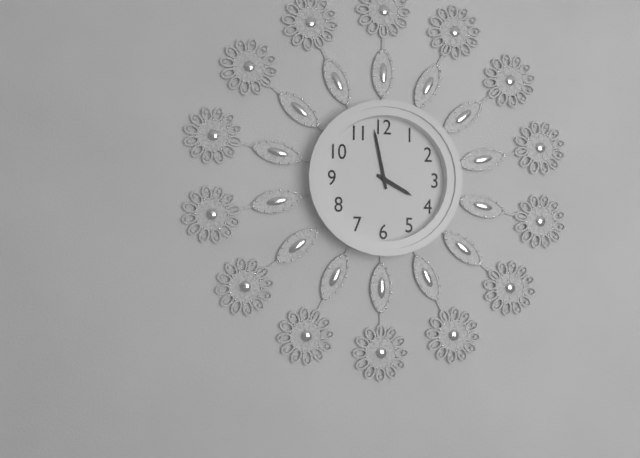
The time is 3h58
